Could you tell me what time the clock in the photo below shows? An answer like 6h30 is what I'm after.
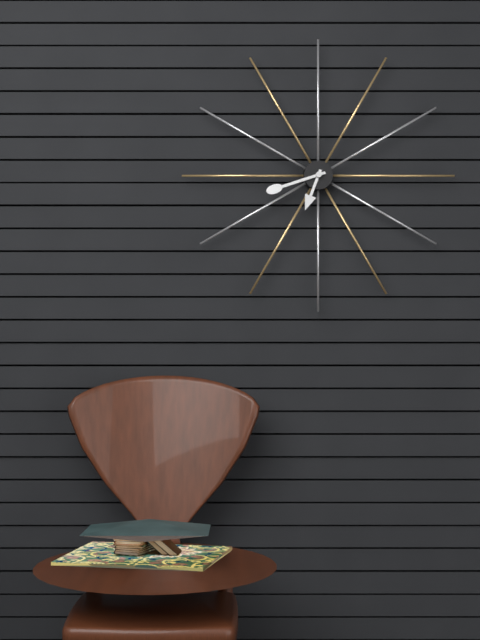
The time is 6h42
